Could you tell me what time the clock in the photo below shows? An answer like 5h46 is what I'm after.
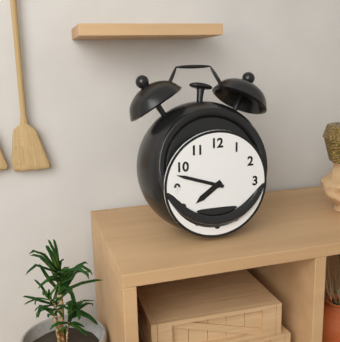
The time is 7h48
